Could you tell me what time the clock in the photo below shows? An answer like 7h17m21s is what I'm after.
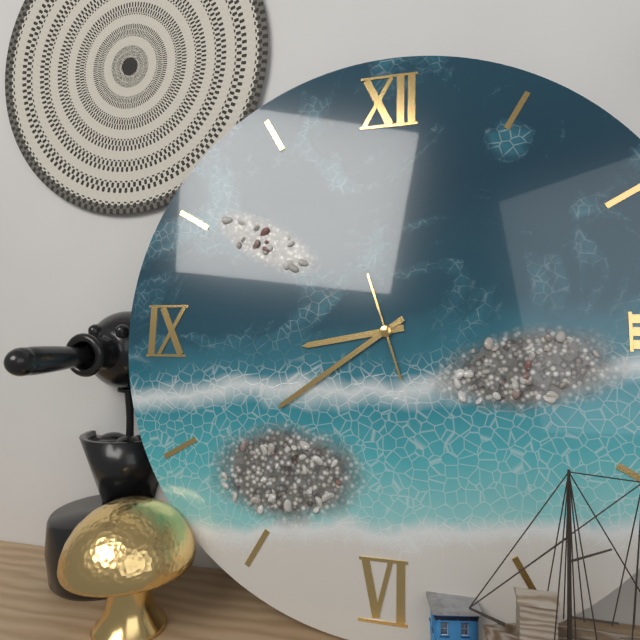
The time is 8h39m57s
